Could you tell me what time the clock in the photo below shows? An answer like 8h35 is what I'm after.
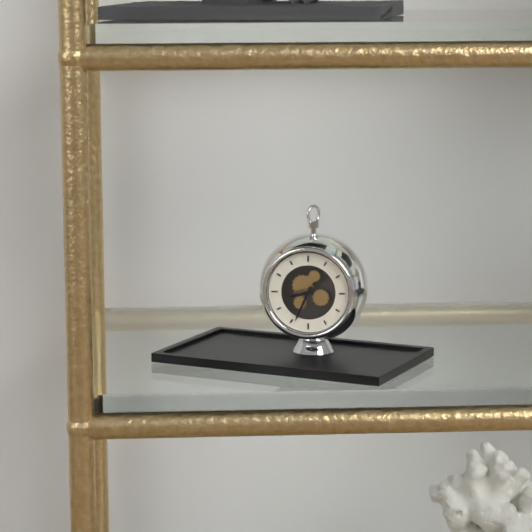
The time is 8h34
